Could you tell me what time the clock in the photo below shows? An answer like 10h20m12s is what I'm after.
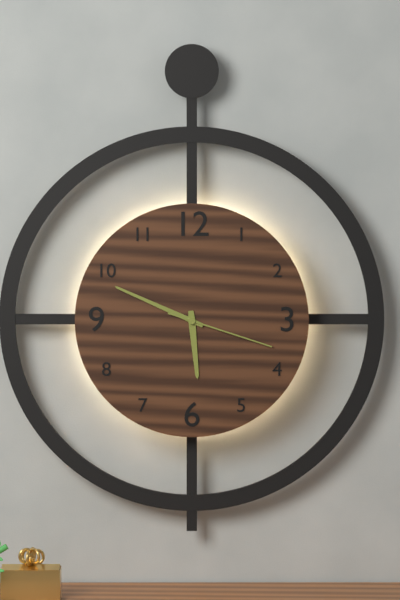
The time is 5h49m18s
